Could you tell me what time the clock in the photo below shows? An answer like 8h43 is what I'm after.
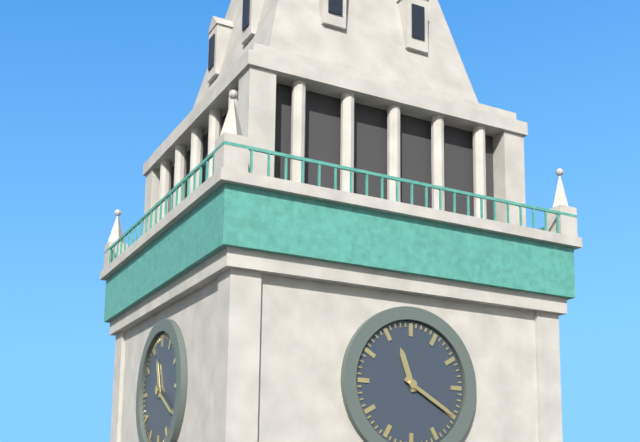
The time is 11h20
